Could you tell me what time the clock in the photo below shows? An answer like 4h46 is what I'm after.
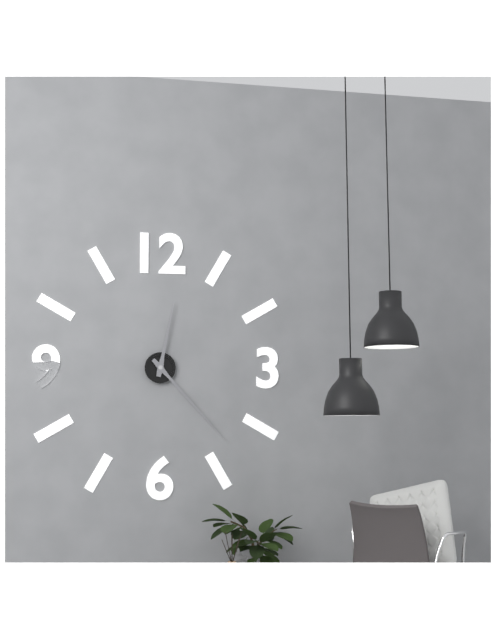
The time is 12h23
